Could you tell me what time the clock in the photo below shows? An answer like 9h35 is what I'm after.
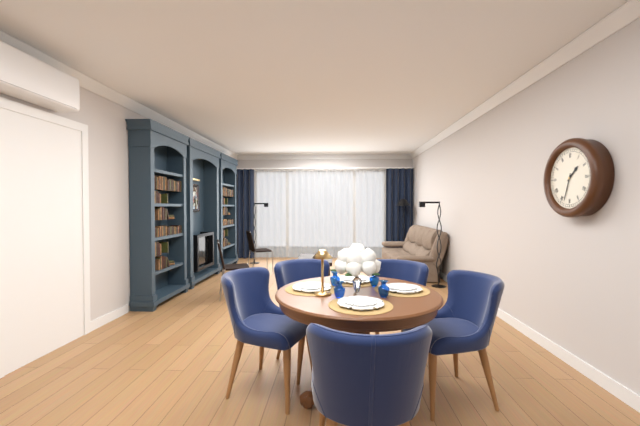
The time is 1h33
